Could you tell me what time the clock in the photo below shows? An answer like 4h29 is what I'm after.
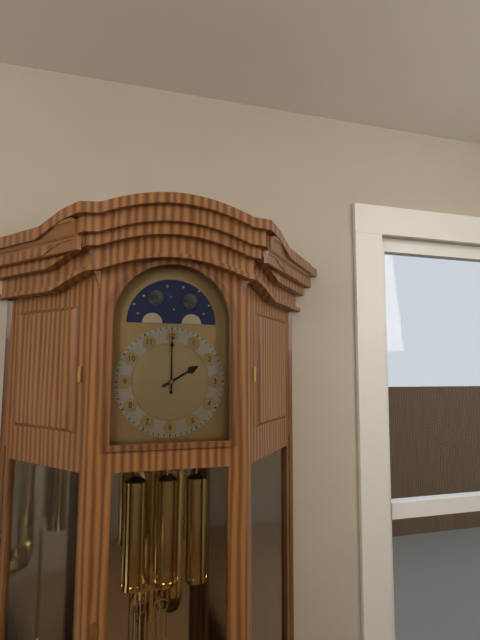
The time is 2h00
